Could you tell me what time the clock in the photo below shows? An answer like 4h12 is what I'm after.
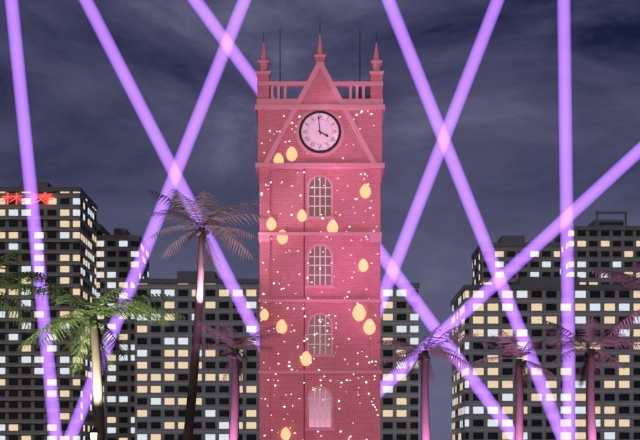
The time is 3h59
